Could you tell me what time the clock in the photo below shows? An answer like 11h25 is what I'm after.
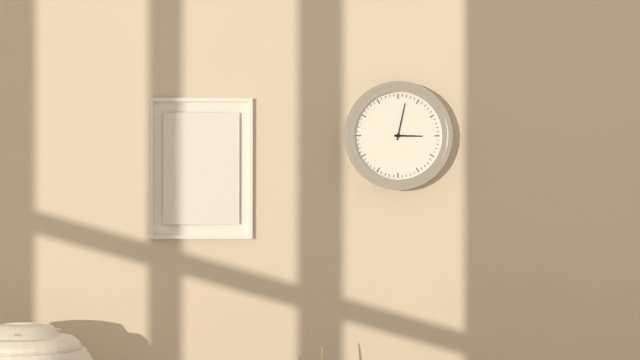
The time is 3h02
